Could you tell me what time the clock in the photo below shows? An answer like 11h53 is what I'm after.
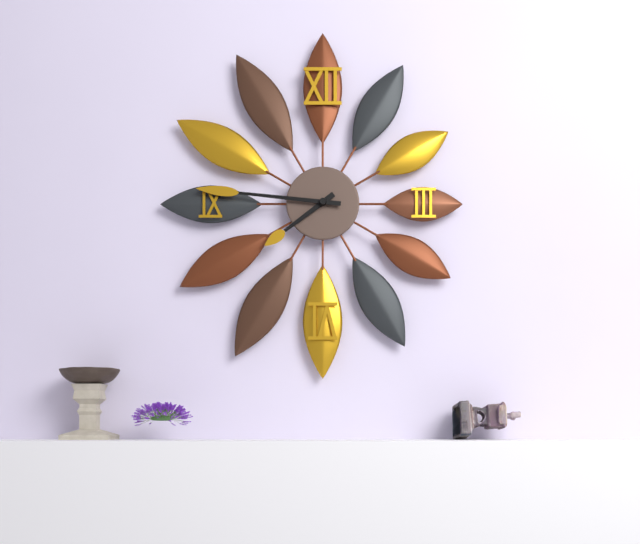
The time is 7h46
